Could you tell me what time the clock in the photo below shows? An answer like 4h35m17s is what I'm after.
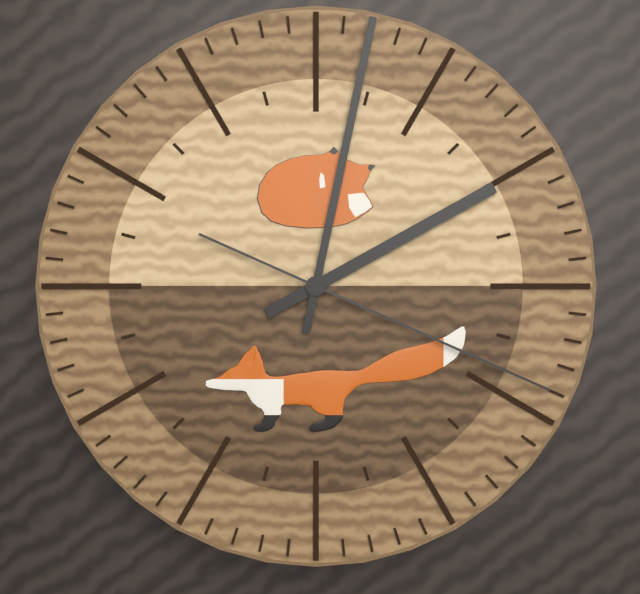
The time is 2h02m19s
